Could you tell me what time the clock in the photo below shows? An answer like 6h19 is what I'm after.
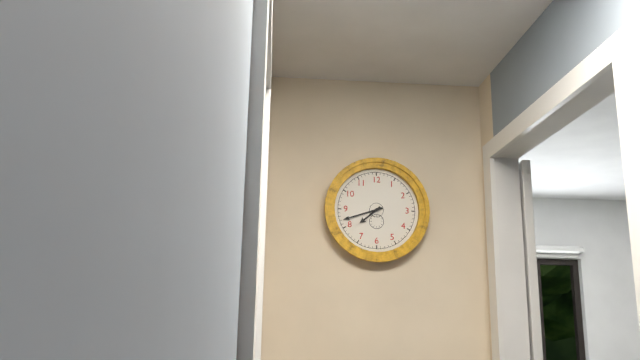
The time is 7h42
